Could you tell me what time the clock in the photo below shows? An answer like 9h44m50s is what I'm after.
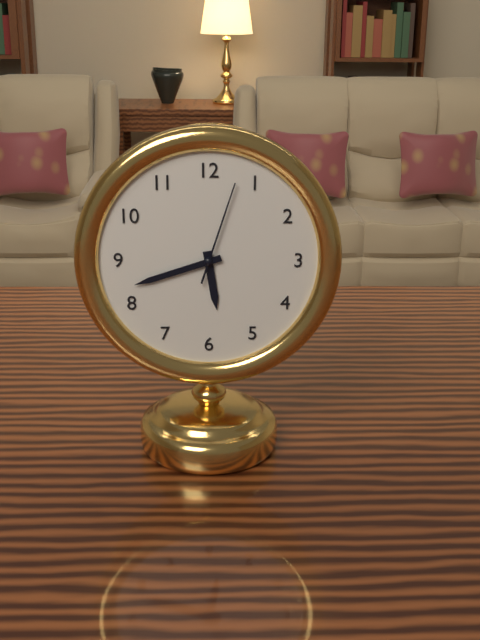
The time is 5h42m03s
